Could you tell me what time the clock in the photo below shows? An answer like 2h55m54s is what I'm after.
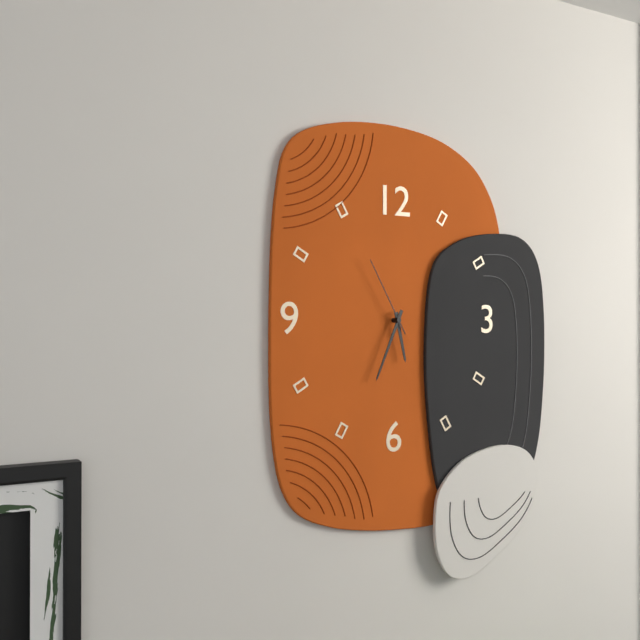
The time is 5h34m55s
